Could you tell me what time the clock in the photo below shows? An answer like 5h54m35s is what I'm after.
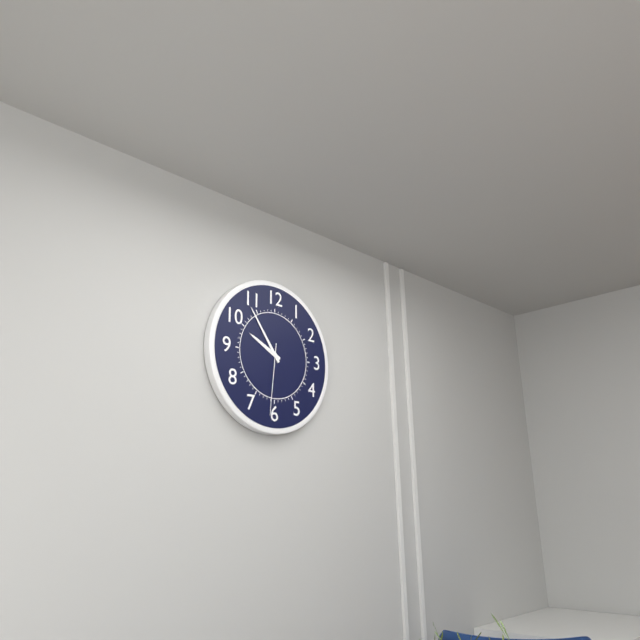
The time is 9h54m31s
